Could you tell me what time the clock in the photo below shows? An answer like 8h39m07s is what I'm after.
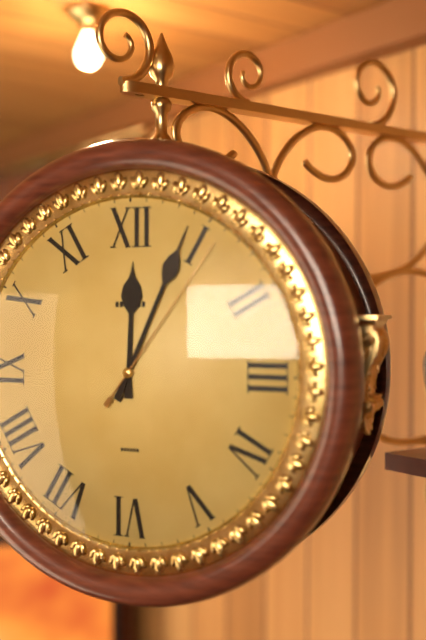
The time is 12h04m06s
